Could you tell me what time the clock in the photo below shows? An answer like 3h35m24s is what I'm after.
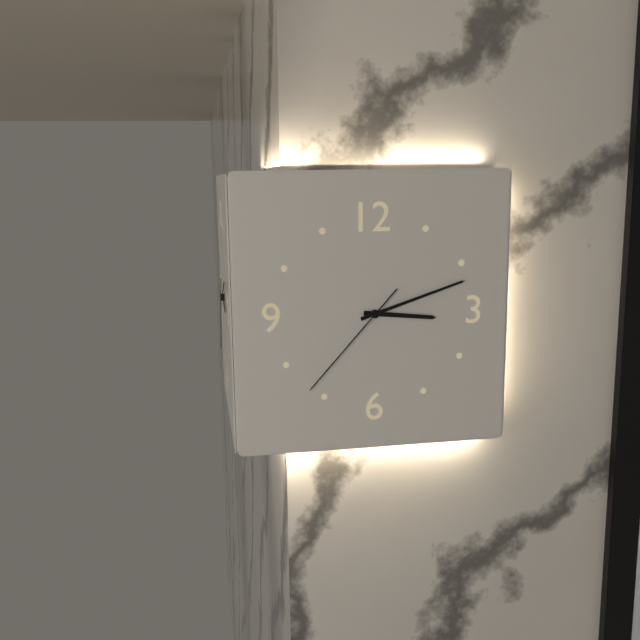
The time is 3h12m37s
